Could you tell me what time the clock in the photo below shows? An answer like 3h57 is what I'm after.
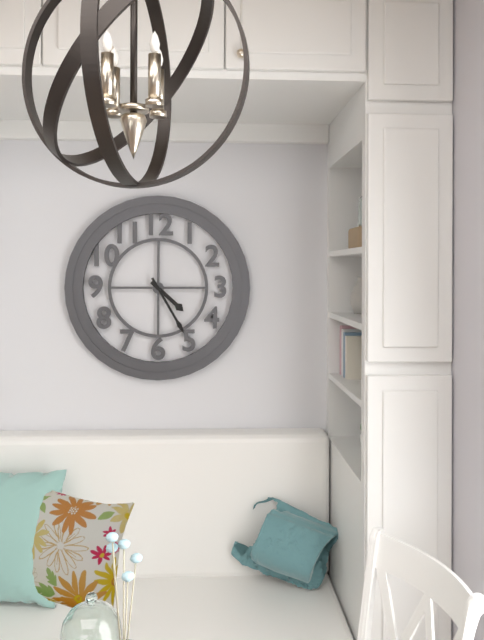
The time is 4h25
